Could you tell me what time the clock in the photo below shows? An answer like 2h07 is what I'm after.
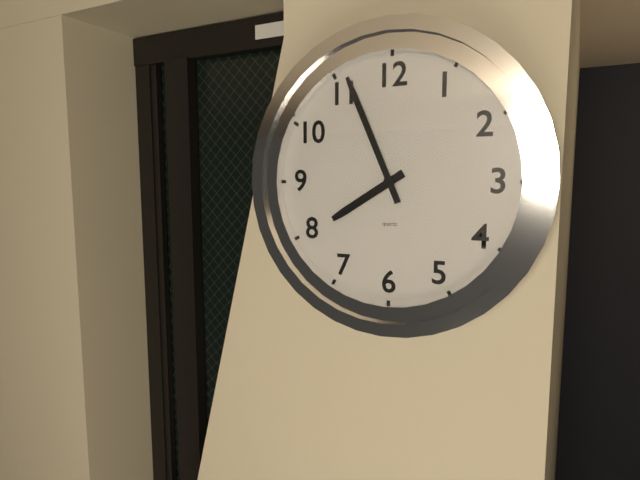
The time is 7h56
